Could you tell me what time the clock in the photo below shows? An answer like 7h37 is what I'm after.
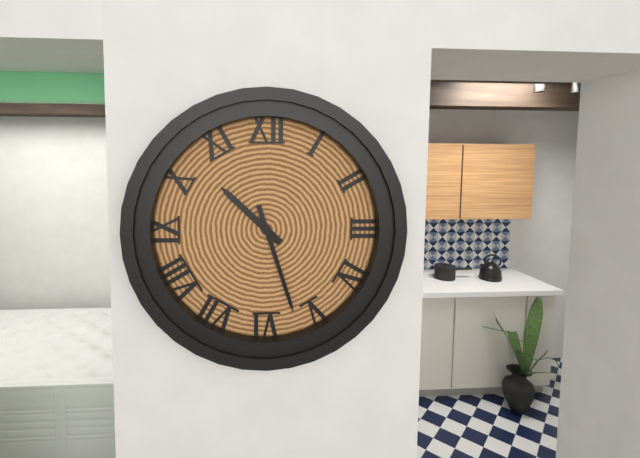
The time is 10h27
